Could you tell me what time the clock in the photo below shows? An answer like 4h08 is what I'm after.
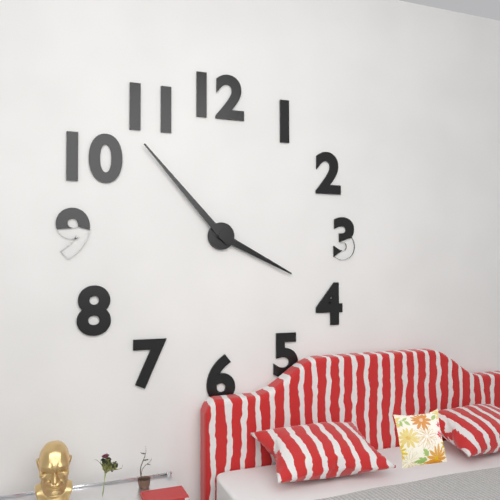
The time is 3h53
